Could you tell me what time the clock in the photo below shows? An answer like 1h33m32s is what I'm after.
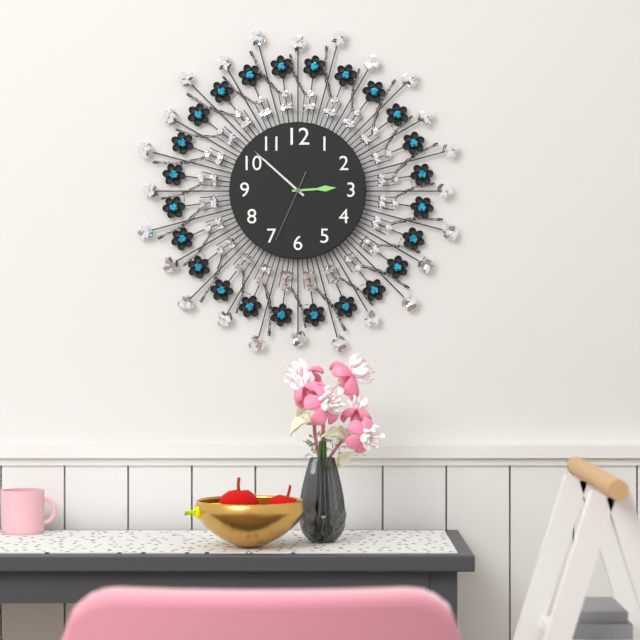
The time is 2h52m34s
